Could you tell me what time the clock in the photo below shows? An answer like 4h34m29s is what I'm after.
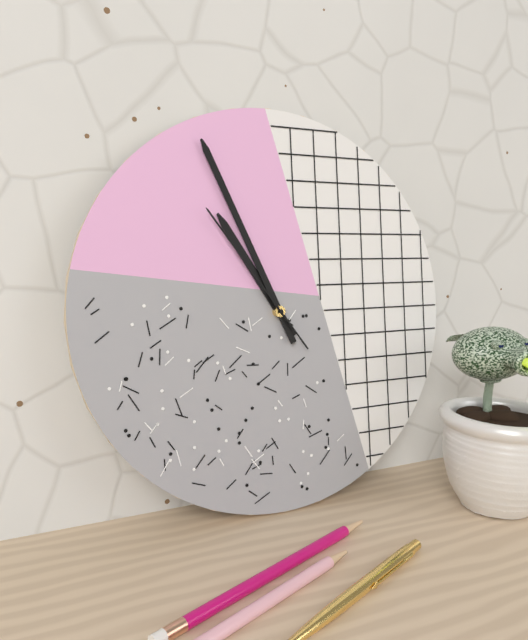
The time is 10h56m54s
